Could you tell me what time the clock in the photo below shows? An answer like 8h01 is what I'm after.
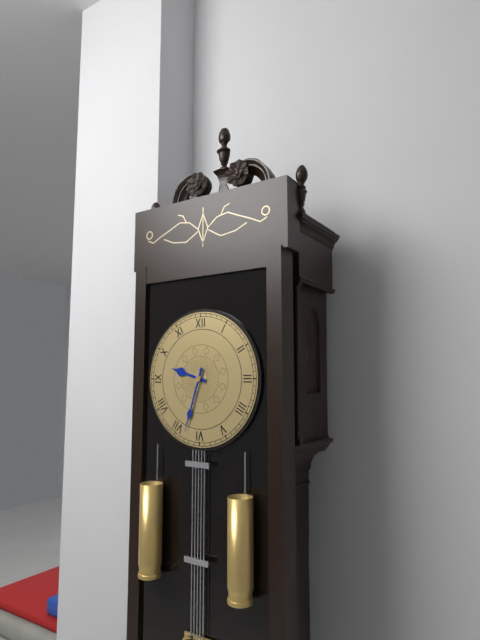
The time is 9h33
